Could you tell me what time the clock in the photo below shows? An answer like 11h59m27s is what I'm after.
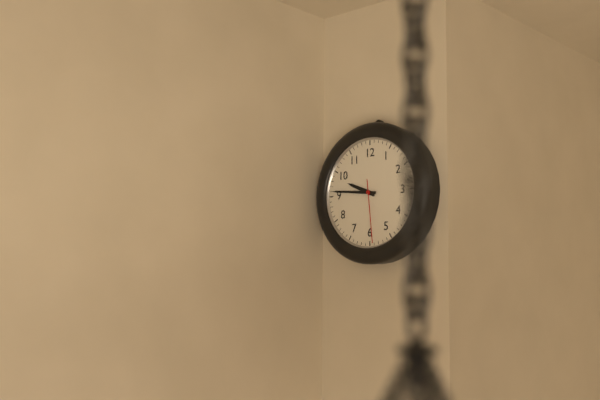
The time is 9h46m29s
